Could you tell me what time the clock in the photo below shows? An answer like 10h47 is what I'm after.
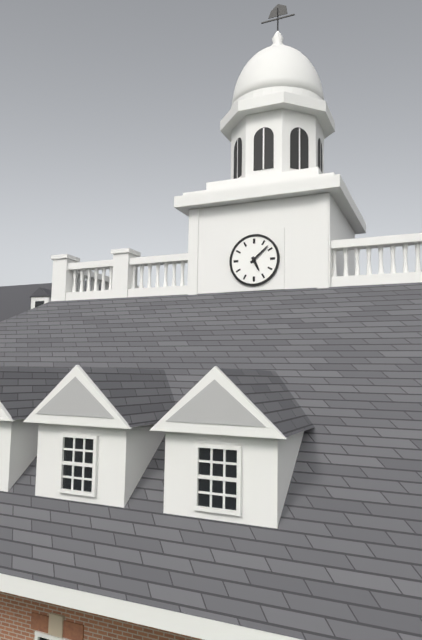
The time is 5h08
